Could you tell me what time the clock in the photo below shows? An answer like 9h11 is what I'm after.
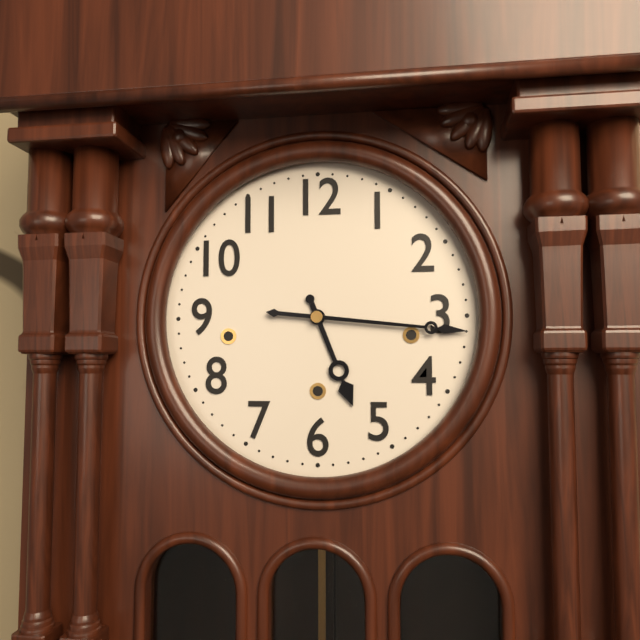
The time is 5h16
